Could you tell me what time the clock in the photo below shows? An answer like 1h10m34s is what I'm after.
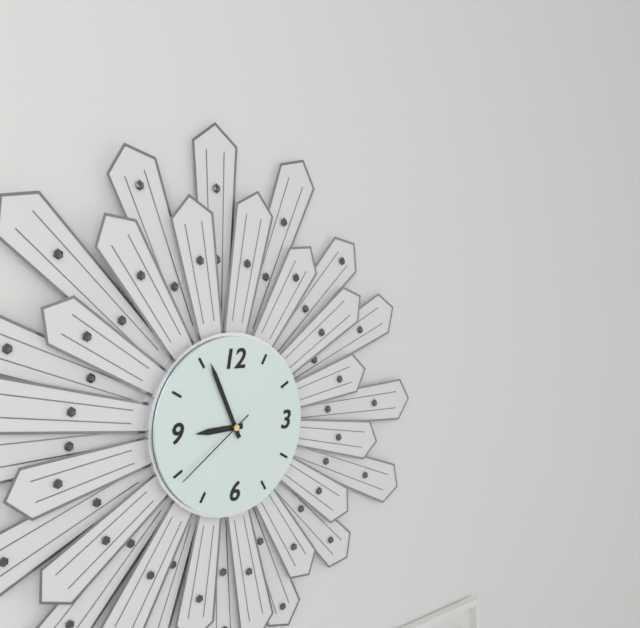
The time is 8h56m39s
